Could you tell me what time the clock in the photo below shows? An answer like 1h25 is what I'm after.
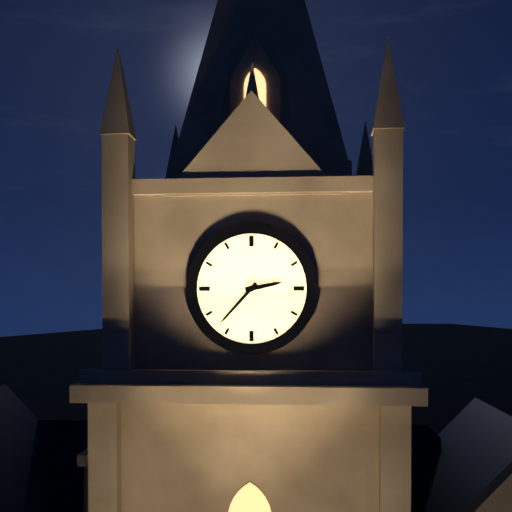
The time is 2h37
